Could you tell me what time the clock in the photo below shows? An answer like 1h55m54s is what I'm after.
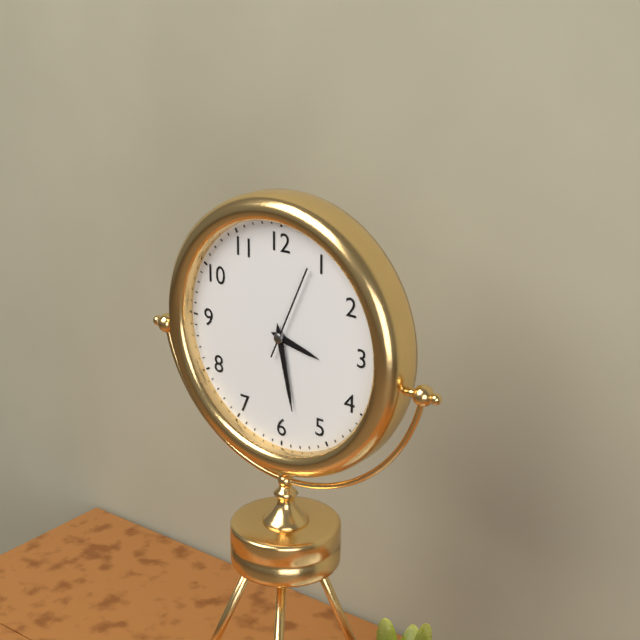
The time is 3h28m04s
